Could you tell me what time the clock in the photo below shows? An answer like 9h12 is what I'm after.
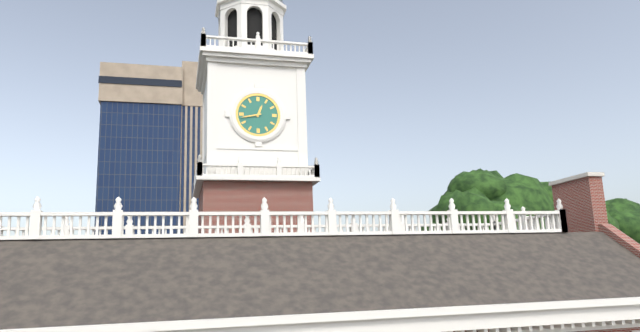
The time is 12h43
